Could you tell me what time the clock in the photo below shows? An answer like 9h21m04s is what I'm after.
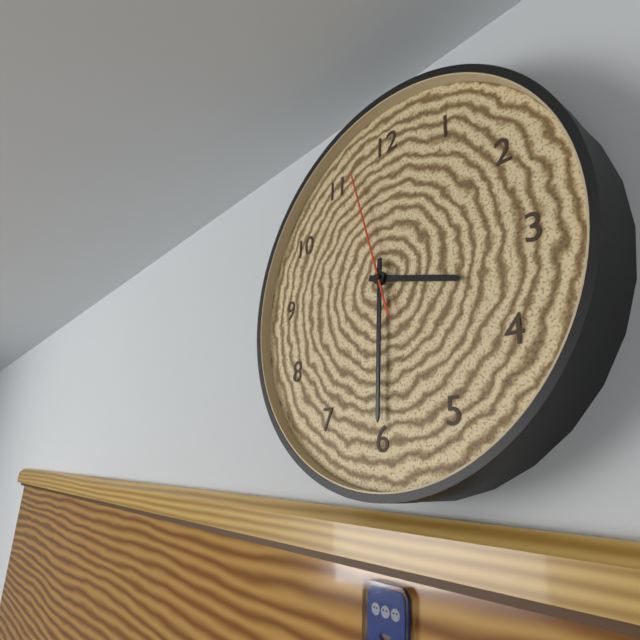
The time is 3h30m57s
